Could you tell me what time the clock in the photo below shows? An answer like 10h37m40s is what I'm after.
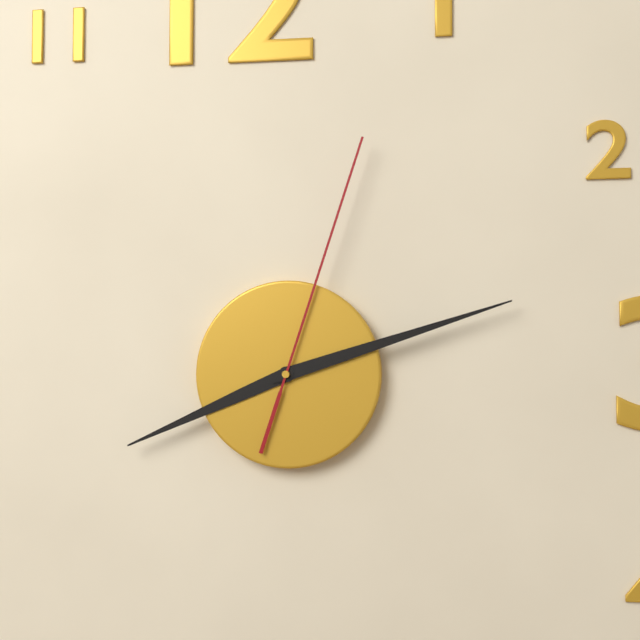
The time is 8h12m03s
